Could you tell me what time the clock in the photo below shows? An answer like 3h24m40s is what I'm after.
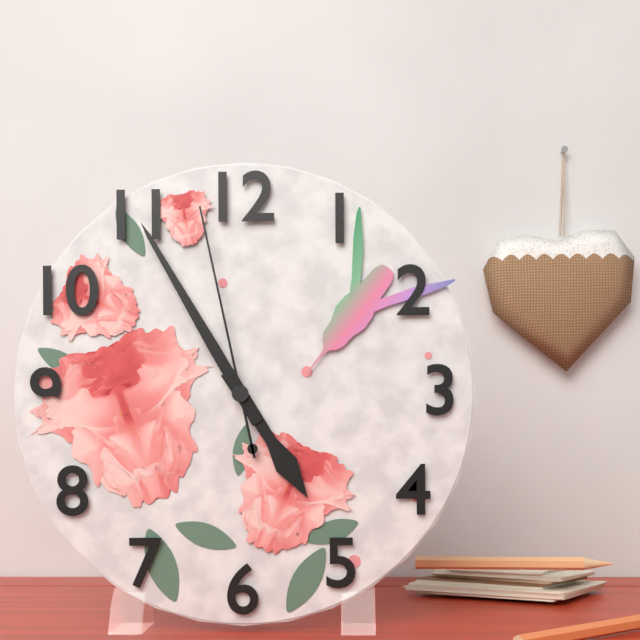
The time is 4h55m58s
